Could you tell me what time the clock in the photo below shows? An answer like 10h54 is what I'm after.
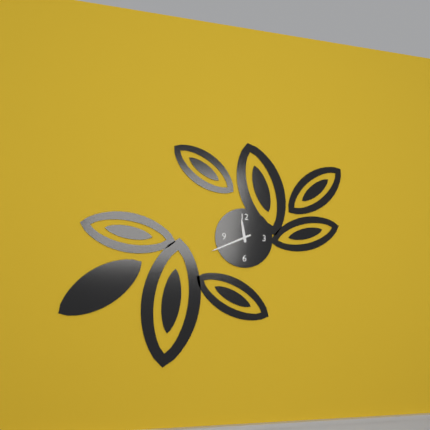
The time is 11h41
